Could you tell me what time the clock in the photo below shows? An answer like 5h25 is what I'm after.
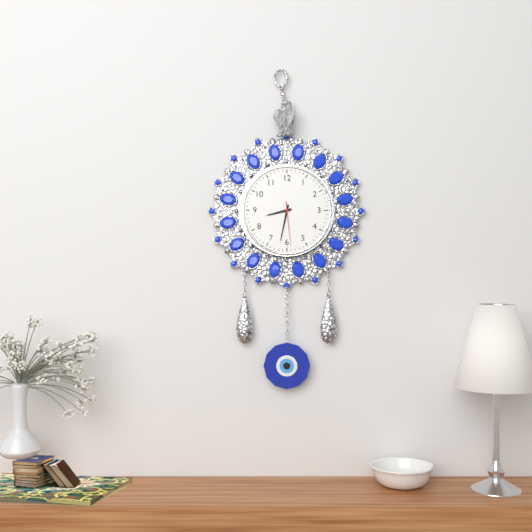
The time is 8h32
